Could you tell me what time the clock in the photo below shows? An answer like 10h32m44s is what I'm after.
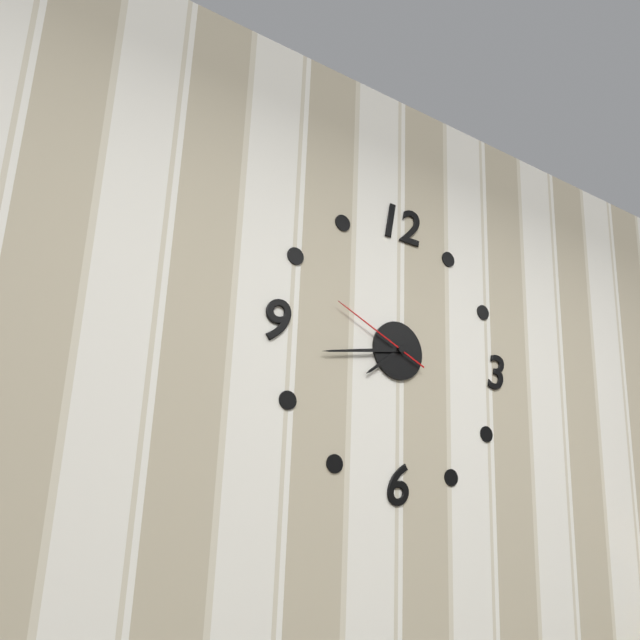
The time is 7h43m49s
